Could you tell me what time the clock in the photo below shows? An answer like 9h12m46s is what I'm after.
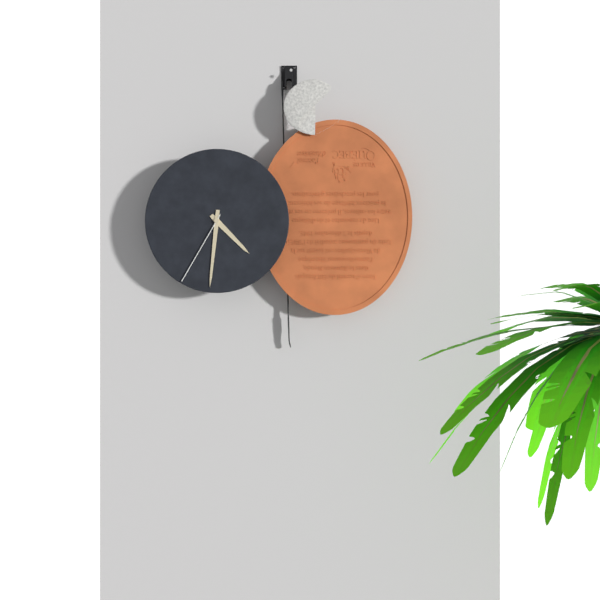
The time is 4h31m35s
